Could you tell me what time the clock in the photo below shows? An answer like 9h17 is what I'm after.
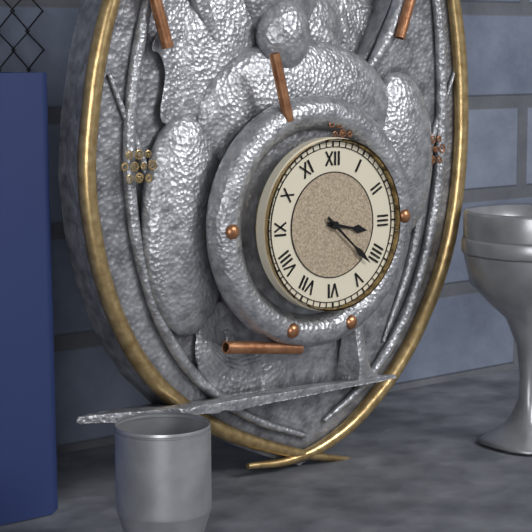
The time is 3h22
